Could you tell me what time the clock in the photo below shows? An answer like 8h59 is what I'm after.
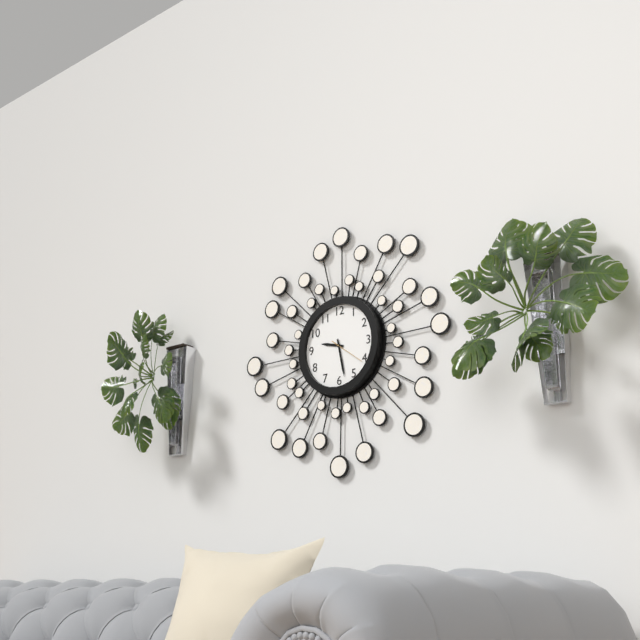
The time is 9h28
